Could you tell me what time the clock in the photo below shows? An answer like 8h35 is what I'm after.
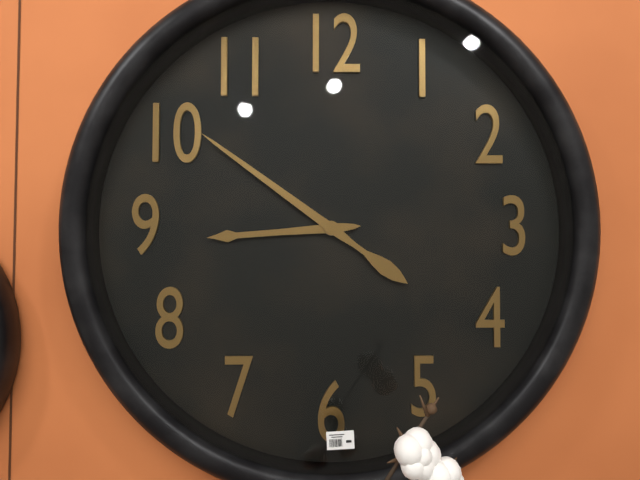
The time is 8h51
